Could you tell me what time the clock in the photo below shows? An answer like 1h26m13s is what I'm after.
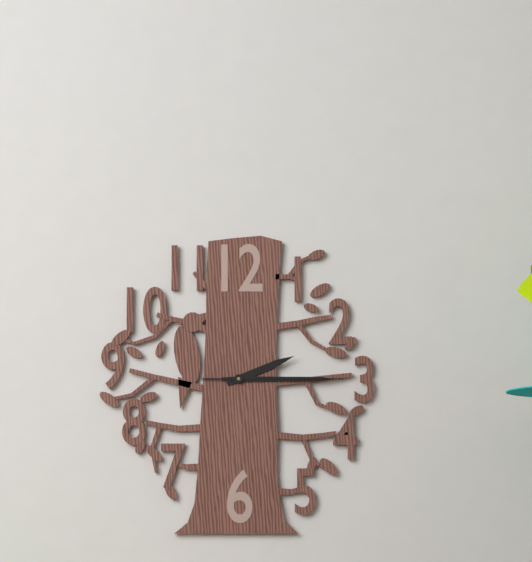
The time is 2h15m15s
